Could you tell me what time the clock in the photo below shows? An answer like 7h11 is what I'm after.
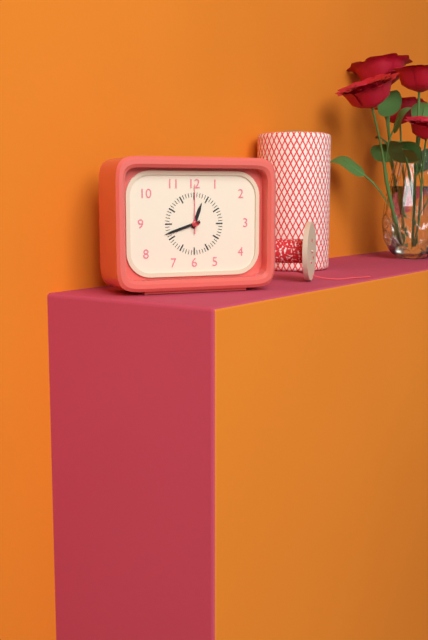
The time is 12h42
